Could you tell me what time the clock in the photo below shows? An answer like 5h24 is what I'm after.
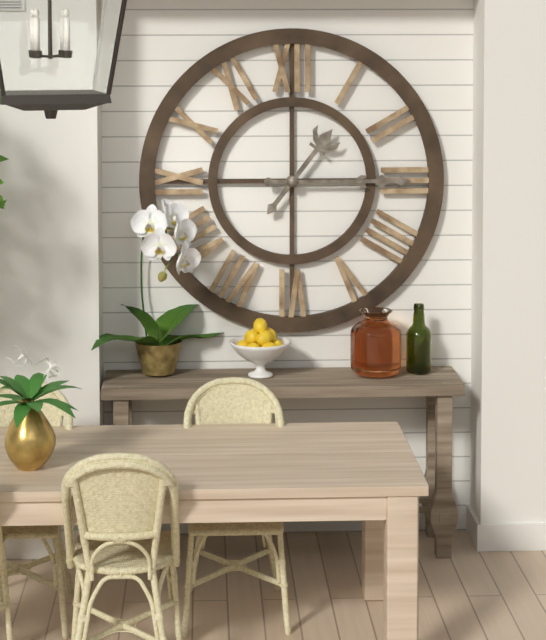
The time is 1h15
